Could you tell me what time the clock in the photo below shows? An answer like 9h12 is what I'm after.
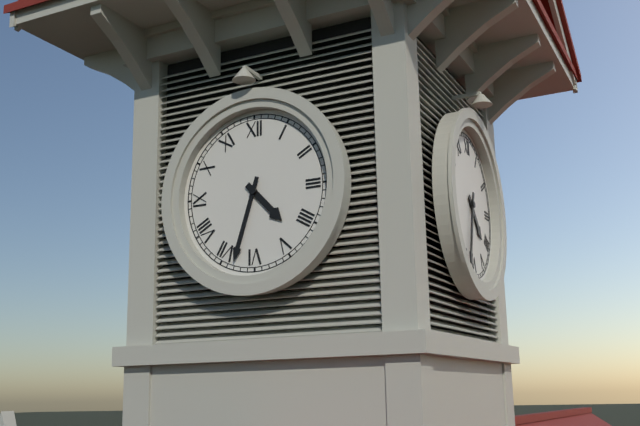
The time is 4h33
